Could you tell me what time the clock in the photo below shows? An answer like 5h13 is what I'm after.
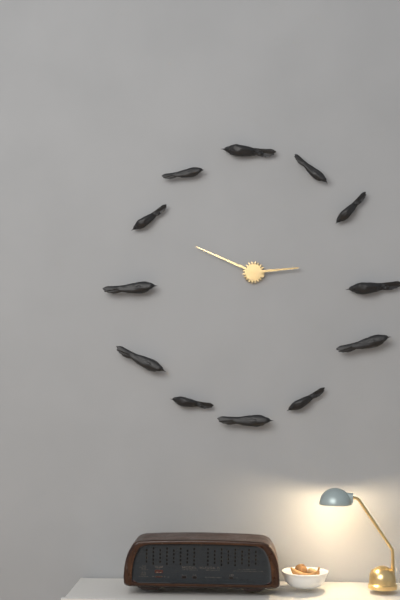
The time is 2h49
